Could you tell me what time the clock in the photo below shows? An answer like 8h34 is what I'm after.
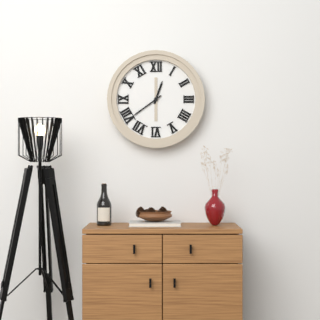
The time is 12h39
